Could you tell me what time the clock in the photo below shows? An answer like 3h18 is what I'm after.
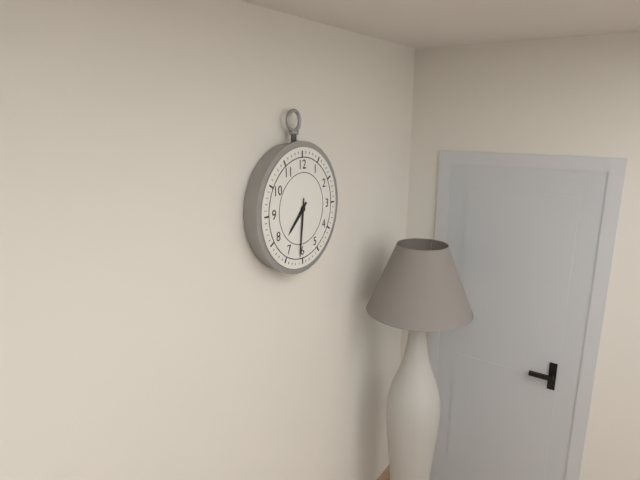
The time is 7h31
